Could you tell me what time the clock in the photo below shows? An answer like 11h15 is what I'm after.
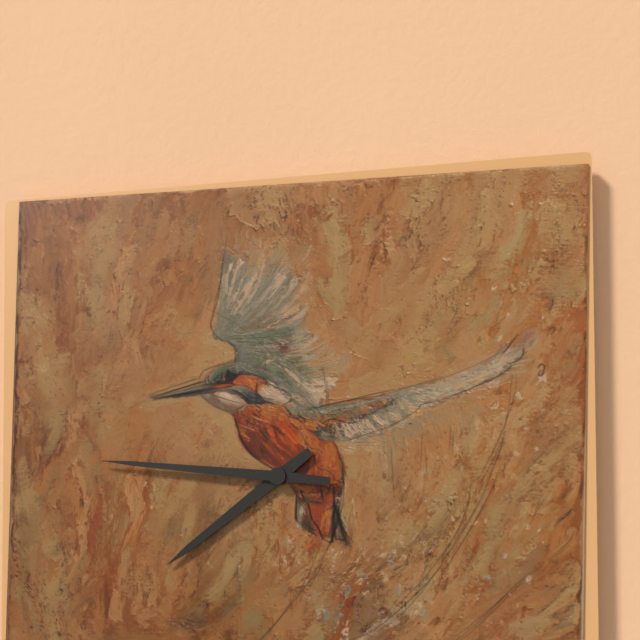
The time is 7h46
